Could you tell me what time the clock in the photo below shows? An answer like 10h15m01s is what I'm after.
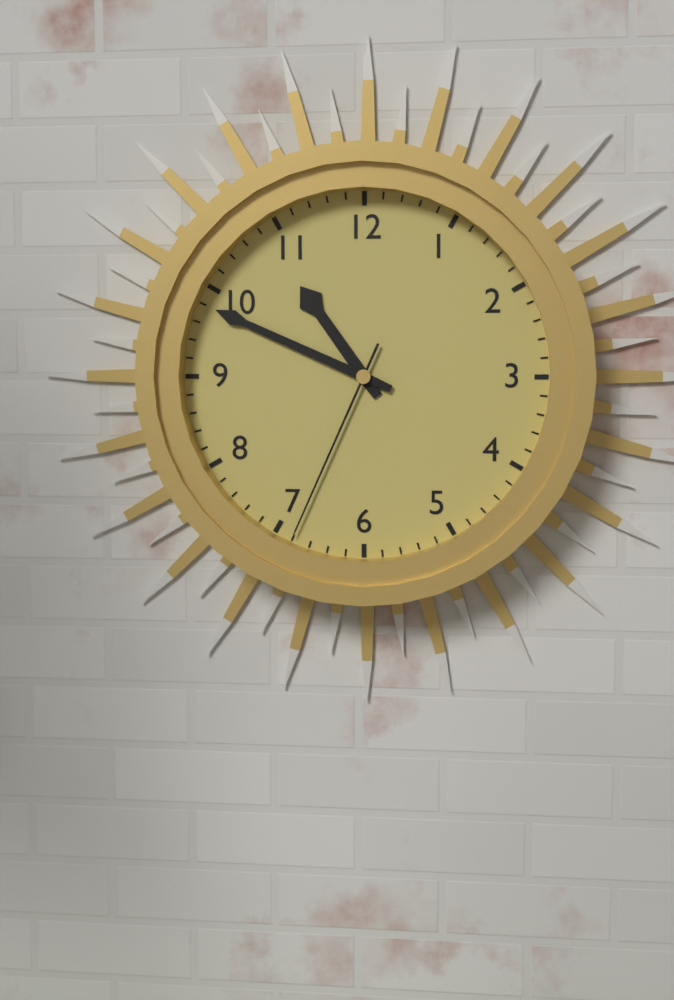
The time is 10h49m34s
